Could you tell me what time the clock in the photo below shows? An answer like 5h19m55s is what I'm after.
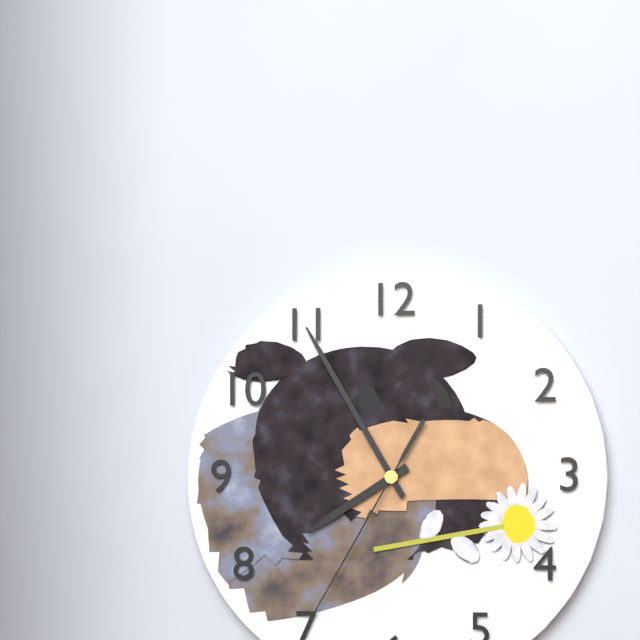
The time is 7h55m35s
